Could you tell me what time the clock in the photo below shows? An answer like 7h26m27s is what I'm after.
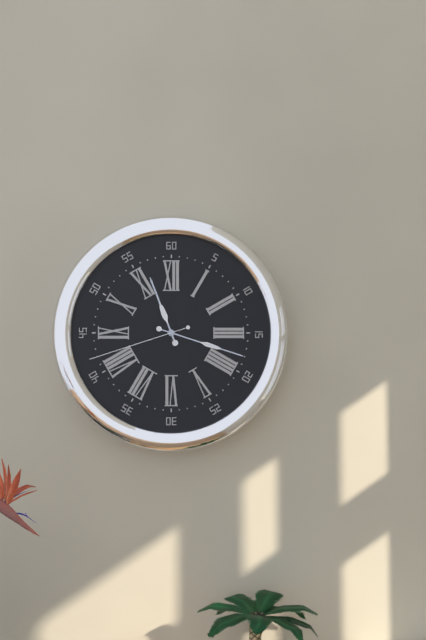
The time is 11h18m42s
